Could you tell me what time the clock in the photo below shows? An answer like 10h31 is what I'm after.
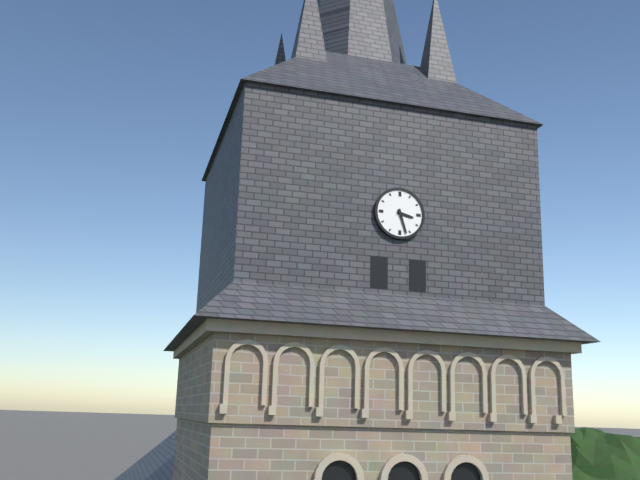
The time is 3h27
